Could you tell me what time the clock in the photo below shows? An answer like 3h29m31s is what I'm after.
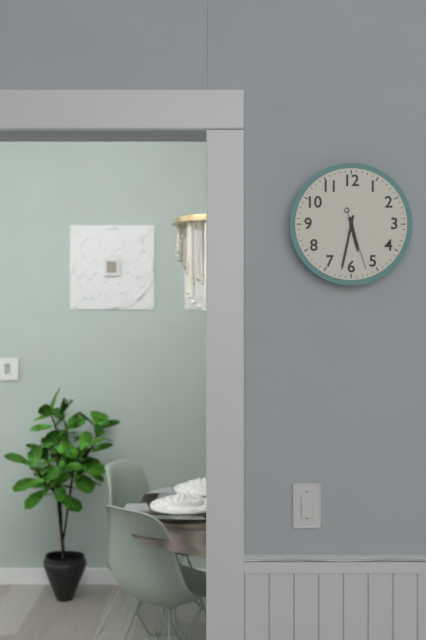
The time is 5h32m27s
